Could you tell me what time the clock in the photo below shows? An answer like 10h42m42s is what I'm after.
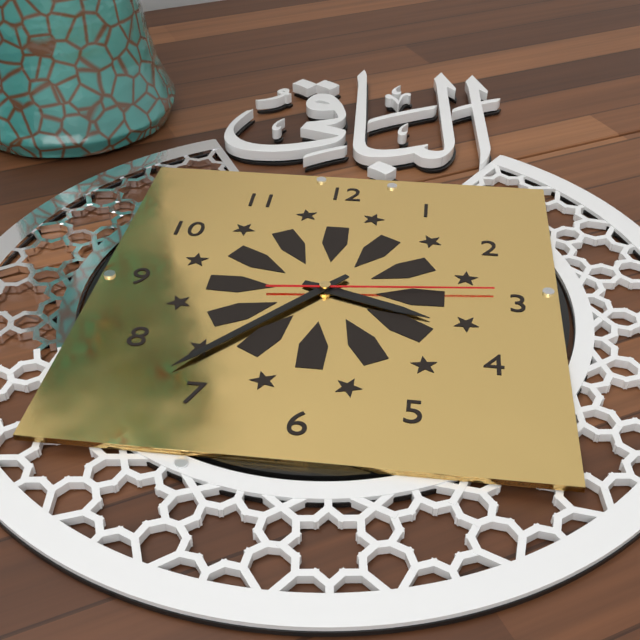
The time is 3h37m14s
